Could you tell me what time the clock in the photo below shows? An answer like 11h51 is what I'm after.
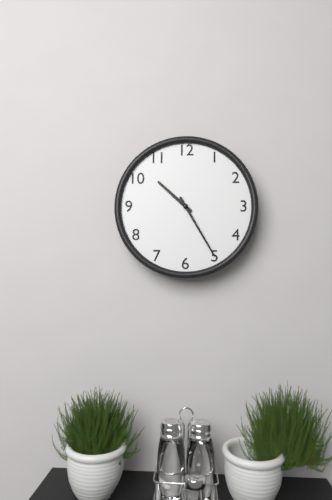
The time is 10h25
